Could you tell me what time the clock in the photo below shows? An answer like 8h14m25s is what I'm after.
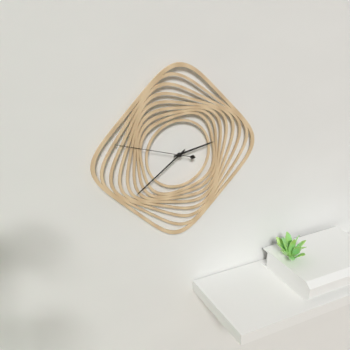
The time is 2h39m48s
